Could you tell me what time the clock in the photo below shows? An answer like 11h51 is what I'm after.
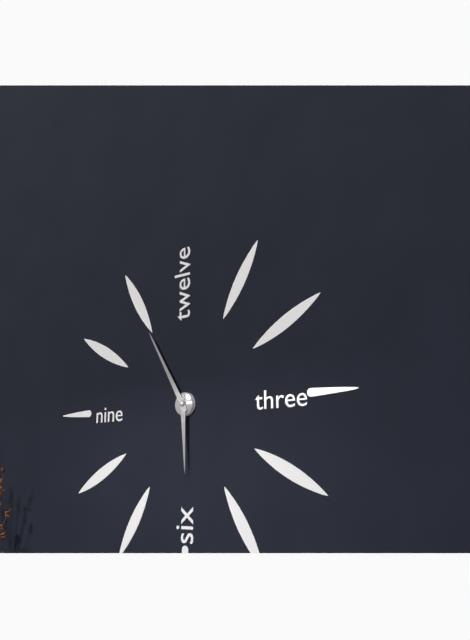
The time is 5h55
